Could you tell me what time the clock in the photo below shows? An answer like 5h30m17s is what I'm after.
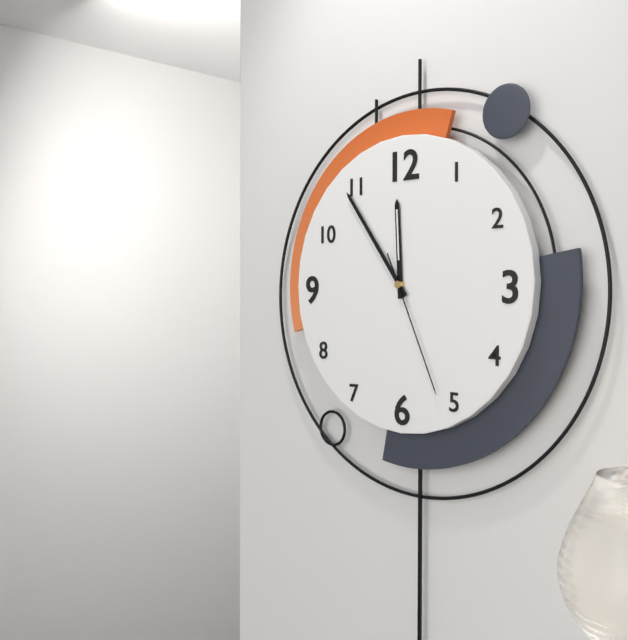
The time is 11h54m26s
